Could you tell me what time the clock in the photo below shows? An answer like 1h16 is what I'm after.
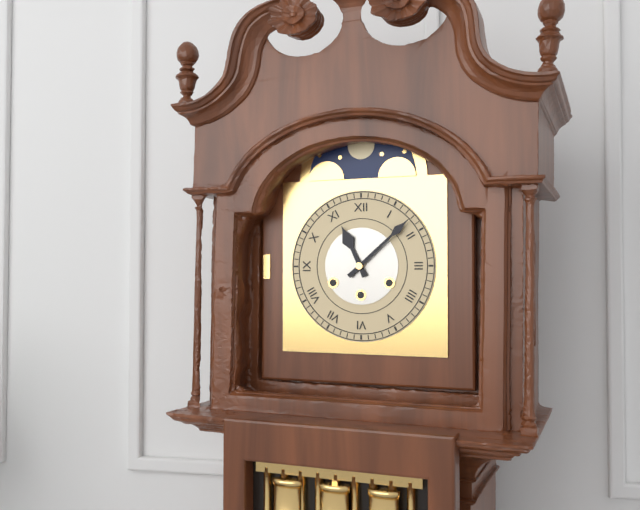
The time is 11h08
